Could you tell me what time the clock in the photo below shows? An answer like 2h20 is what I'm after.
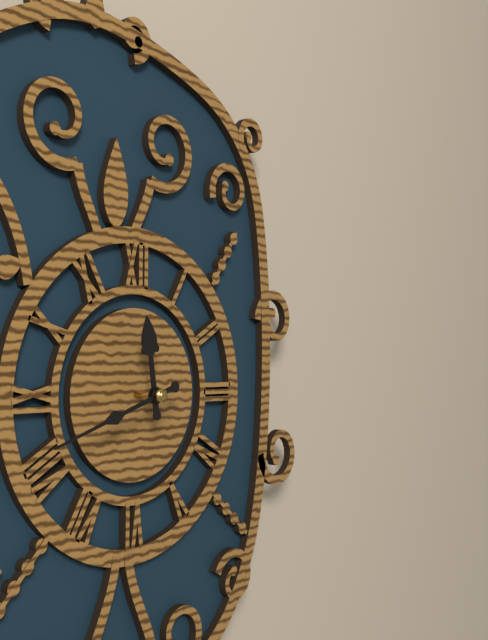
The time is 11h42
